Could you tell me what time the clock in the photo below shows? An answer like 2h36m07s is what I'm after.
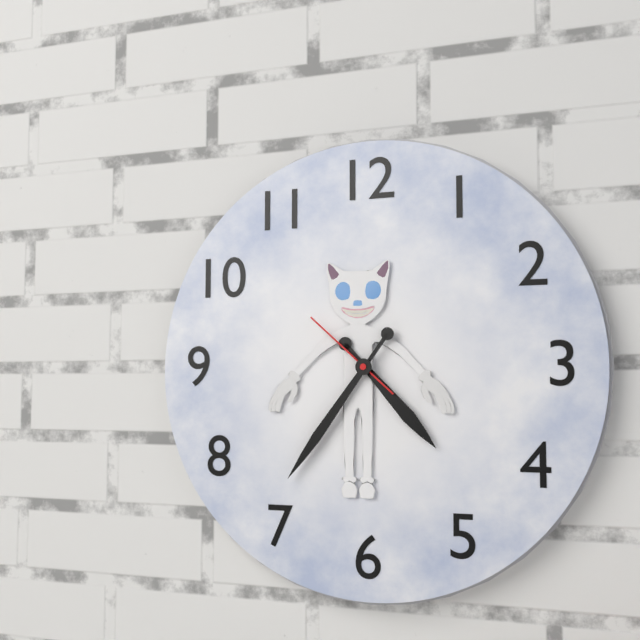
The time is 4h36m52s
